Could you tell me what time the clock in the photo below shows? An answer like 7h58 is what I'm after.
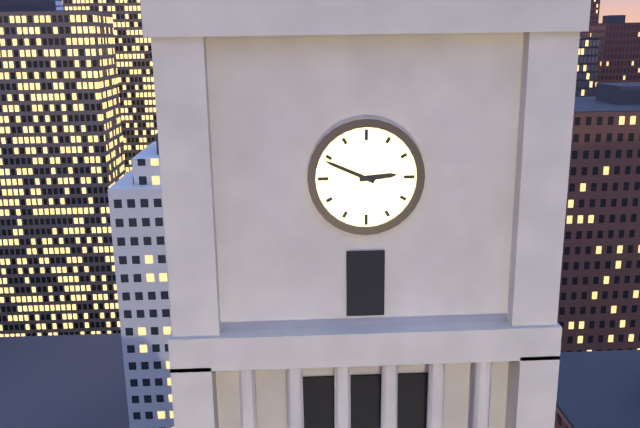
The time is 2h49
